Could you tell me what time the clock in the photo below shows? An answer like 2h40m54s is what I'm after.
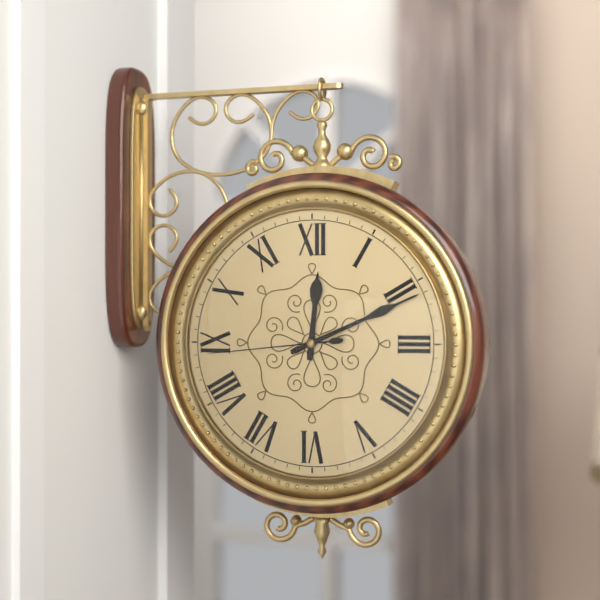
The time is 12h11m44s
